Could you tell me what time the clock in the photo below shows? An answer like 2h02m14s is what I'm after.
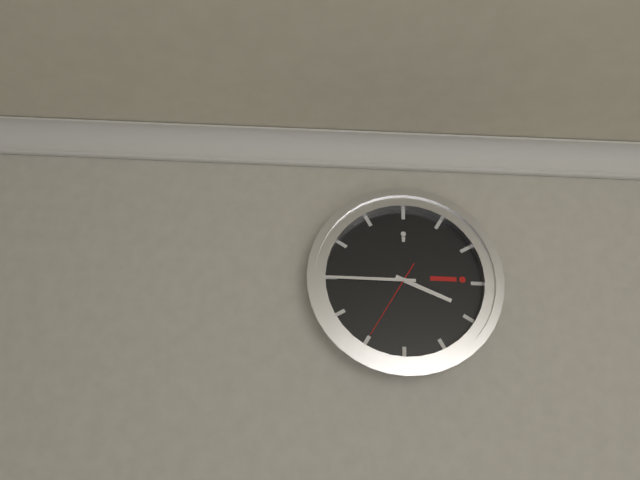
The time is 3h45m35s
